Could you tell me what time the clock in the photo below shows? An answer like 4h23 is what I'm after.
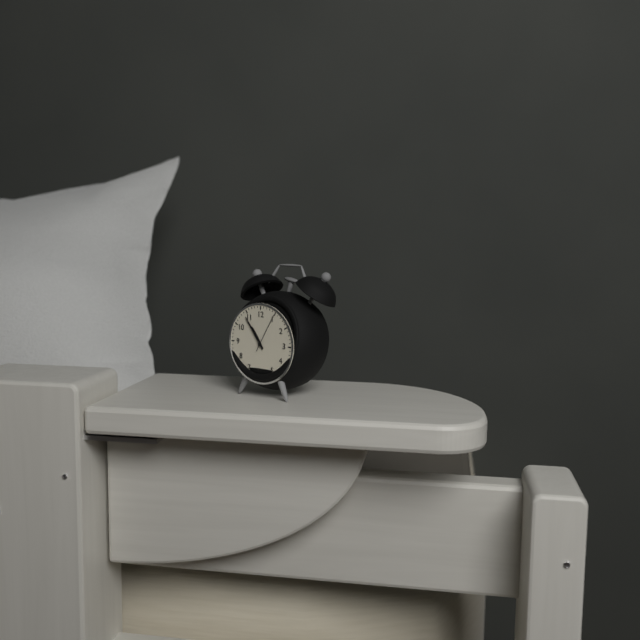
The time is 10h54
